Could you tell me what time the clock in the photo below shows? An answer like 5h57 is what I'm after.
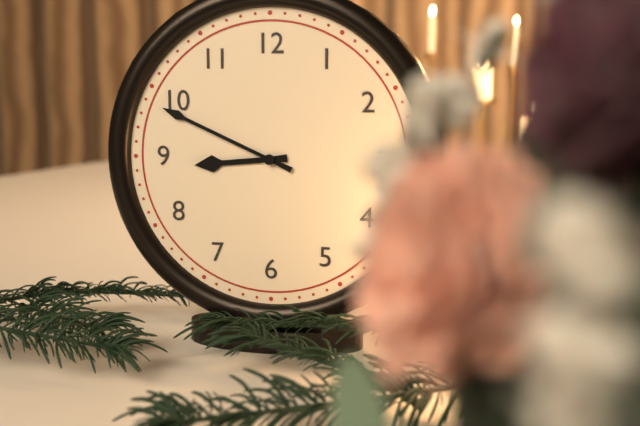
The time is 8h49
